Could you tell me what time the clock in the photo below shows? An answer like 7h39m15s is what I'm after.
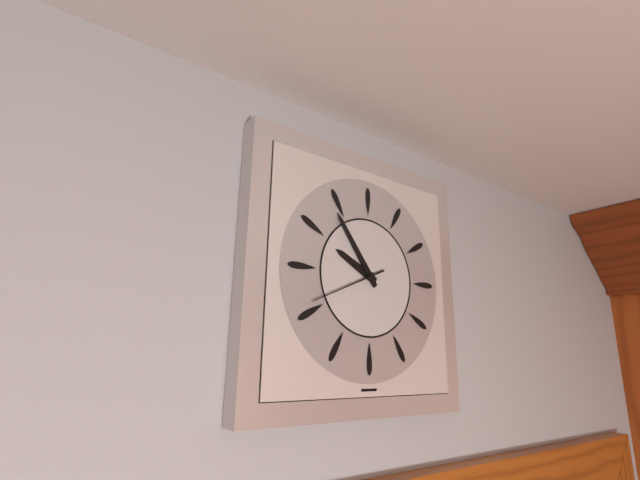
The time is 9h54m41s
